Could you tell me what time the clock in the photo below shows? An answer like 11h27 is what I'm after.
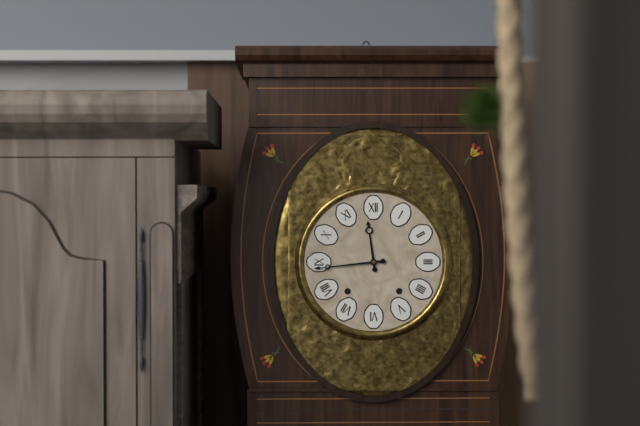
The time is 11h44
